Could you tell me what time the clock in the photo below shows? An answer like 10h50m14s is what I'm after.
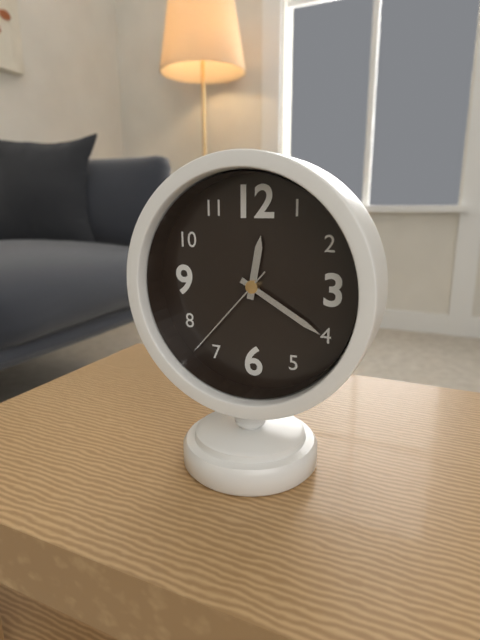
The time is 12h20m37s
